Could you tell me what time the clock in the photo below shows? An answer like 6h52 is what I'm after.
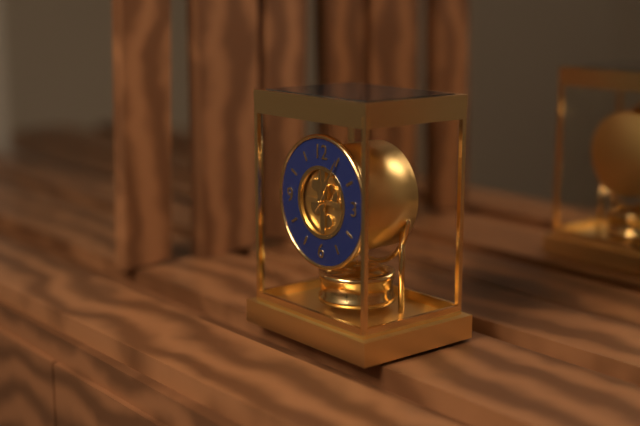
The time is 12h05
